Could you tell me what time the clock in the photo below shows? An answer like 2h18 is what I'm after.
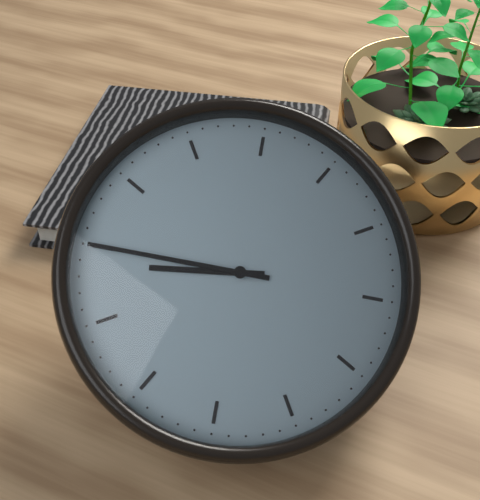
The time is 8h45
